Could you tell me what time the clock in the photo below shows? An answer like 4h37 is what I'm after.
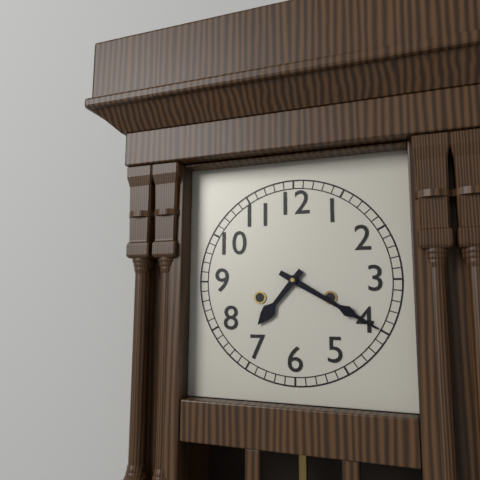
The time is 7h20
